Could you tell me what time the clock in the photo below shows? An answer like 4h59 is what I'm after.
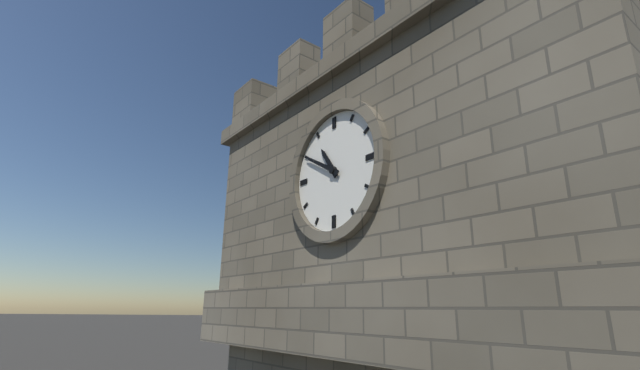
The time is 10h50
